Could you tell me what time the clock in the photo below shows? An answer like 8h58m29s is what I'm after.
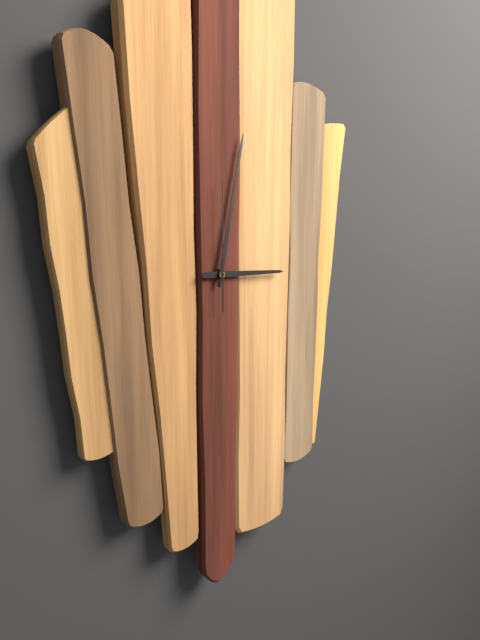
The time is 3h02m00s
